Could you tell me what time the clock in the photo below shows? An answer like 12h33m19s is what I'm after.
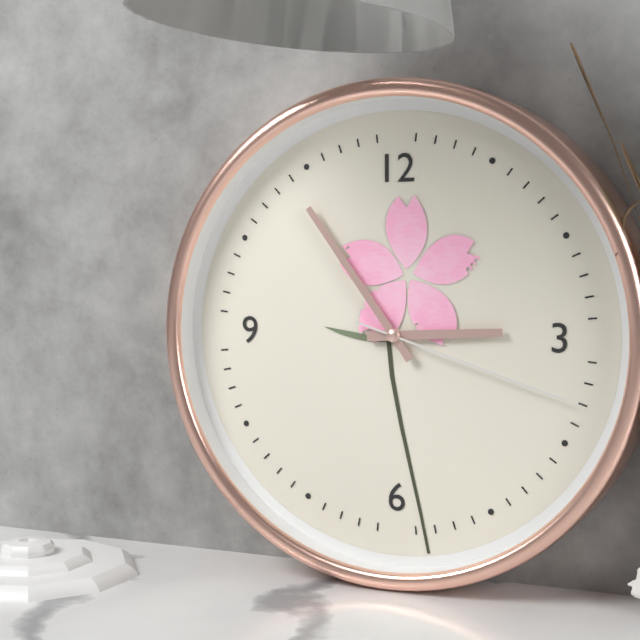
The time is 2h54m18s
